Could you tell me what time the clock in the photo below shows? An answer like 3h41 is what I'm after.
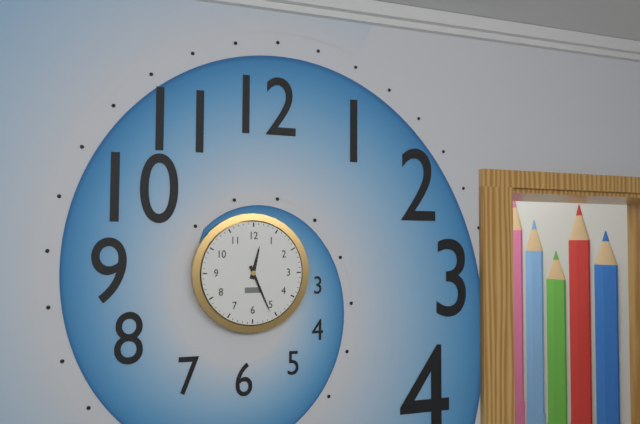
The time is 12h26
